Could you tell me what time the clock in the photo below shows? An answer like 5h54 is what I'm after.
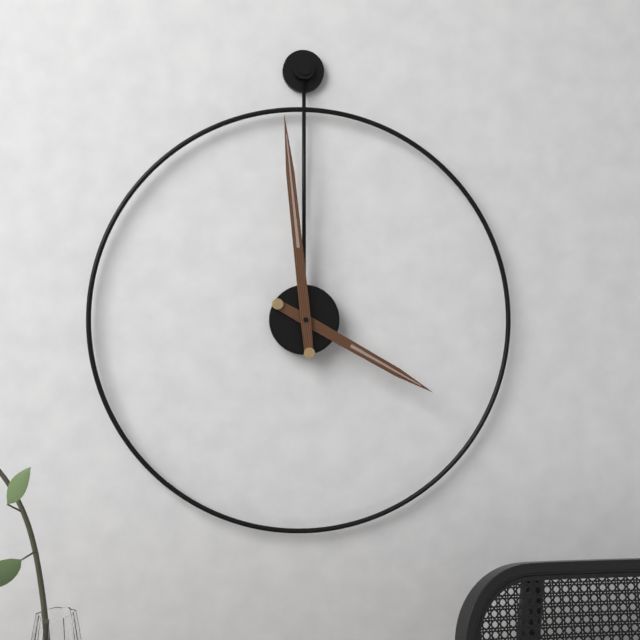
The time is 3h59
